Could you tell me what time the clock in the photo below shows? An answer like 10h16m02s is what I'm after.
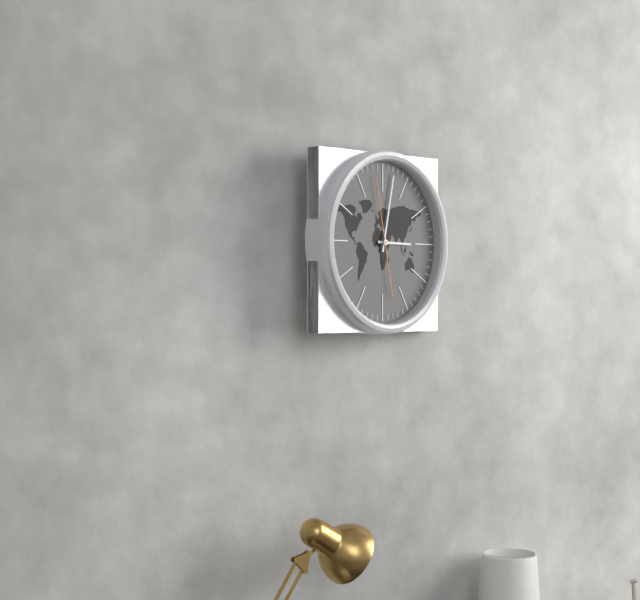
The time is 3h02m58s
